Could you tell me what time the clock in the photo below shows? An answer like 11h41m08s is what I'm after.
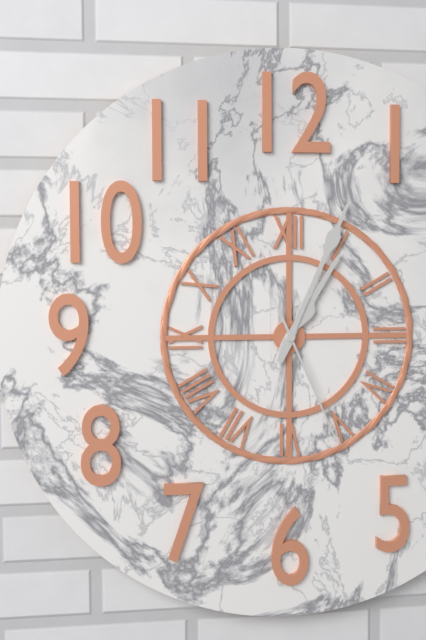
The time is 1h04m26s
